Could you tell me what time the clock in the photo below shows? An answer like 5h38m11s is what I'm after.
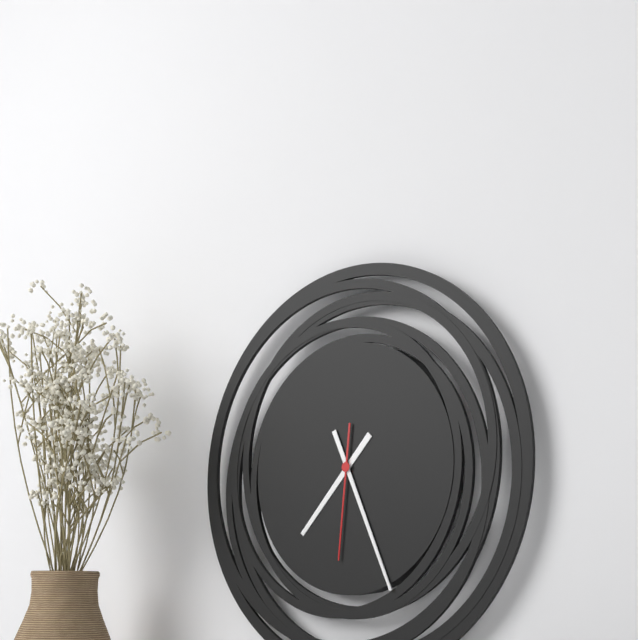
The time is 7h26m31s
